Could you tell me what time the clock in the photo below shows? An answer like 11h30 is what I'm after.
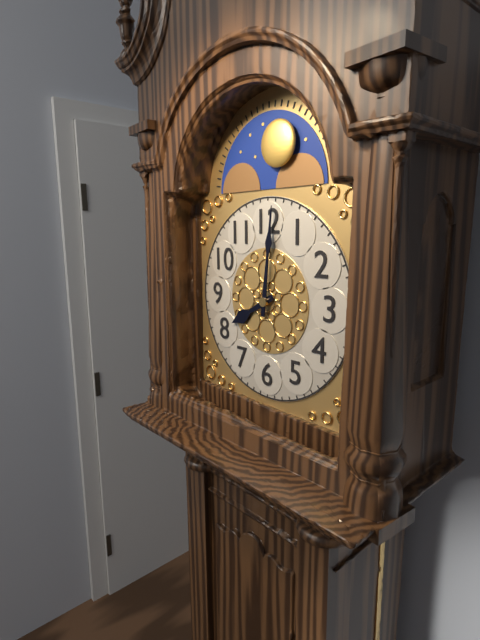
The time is 8h01
